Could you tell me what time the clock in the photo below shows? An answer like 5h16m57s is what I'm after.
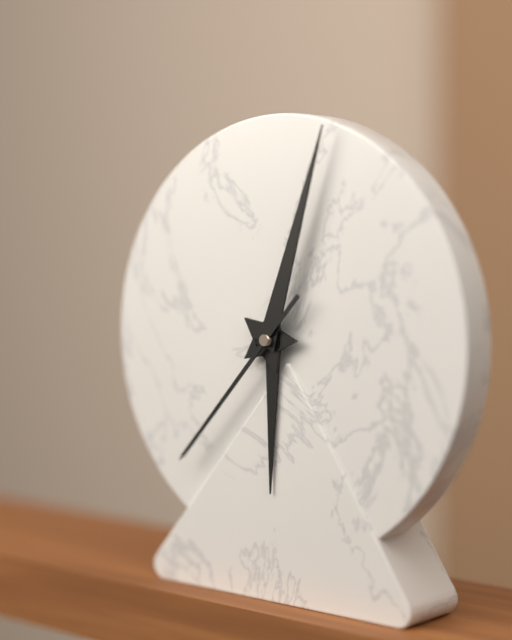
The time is 6h03m37s
